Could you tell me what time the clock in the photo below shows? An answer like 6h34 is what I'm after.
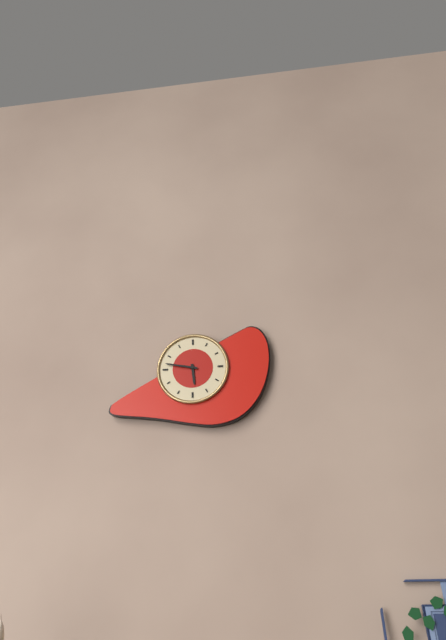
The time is 5h47
